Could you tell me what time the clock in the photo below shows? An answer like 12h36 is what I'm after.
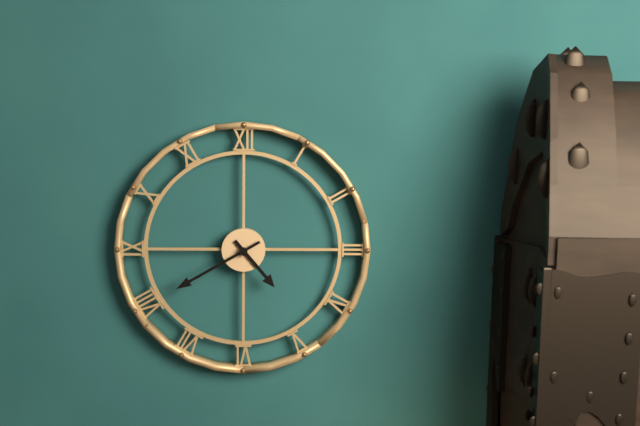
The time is 4h40
